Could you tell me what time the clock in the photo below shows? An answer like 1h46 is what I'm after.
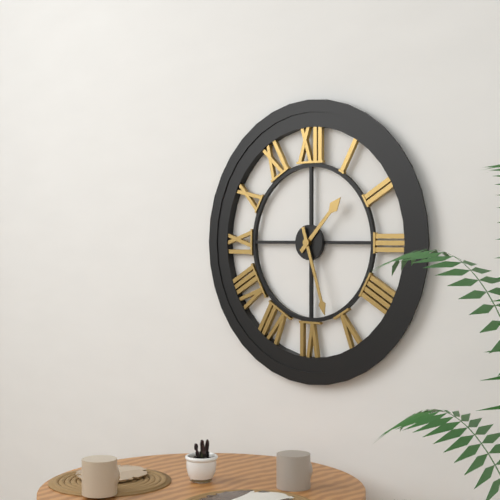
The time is 1h27
